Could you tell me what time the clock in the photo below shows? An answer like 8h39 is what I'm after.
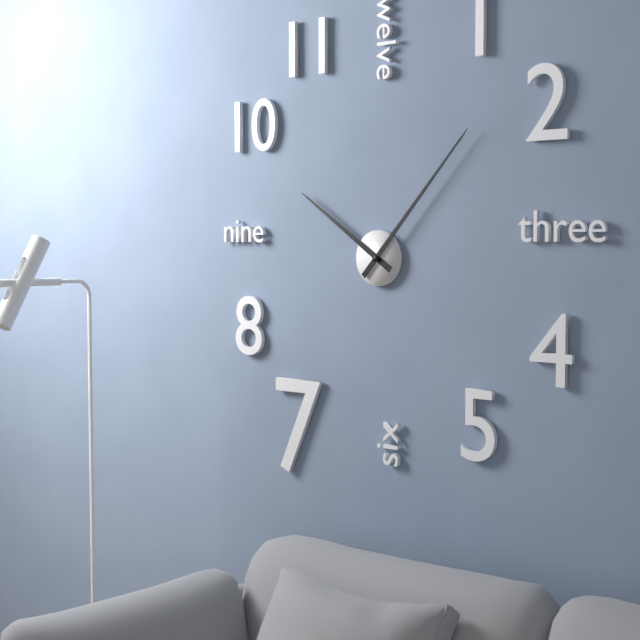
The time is 10h07
